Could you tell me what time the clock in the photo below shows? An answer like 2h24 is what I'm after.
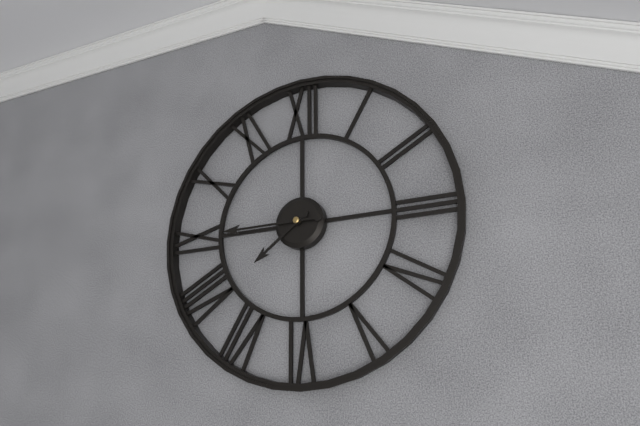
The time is 7h45
